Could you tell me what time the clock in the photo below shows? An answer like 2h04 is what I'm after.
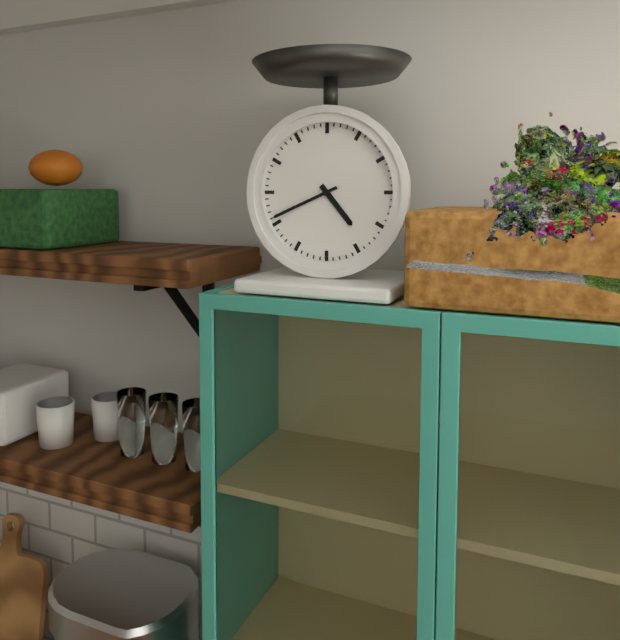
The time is 4h41
